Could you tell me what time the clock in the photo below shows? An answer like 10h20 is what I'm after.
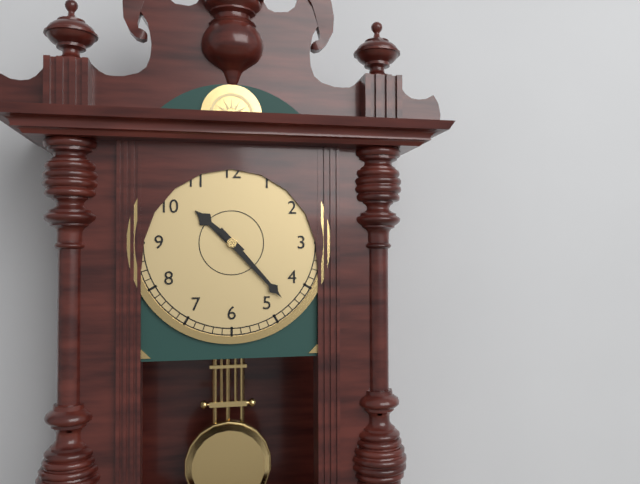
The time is 10h23
